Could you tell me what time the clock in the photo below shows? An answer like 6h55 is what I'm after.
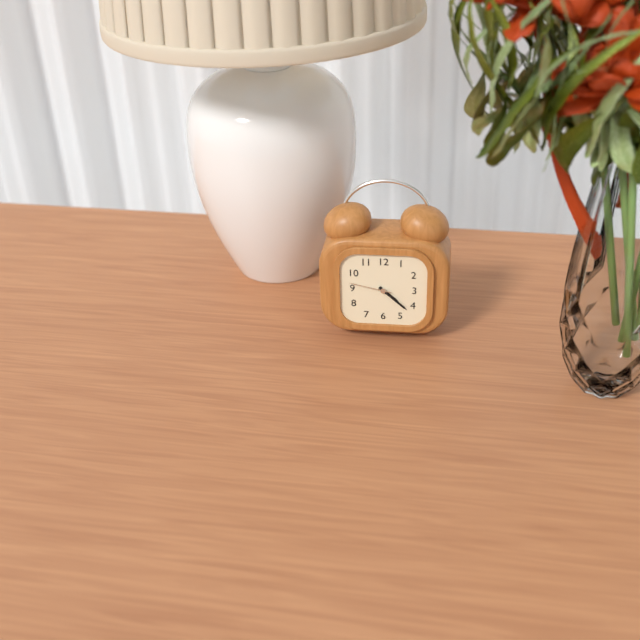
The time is 4h22
